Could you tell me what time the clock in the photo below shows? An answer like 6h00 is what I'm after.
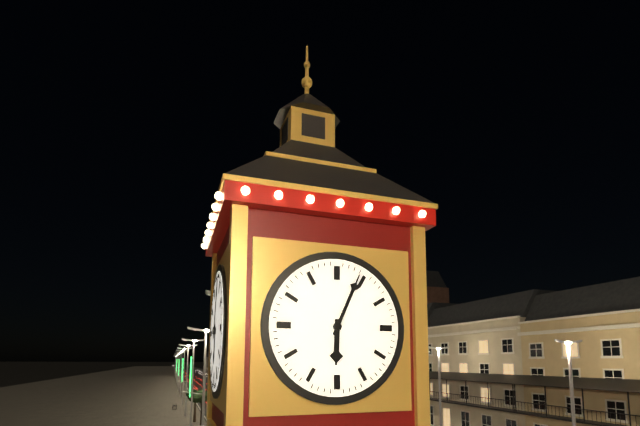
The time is 6h04
